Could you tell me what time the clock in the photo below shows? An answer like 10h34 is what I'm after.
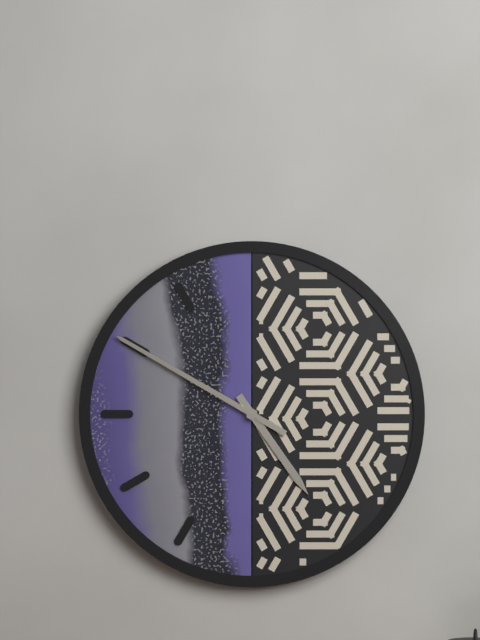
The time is 4h50
